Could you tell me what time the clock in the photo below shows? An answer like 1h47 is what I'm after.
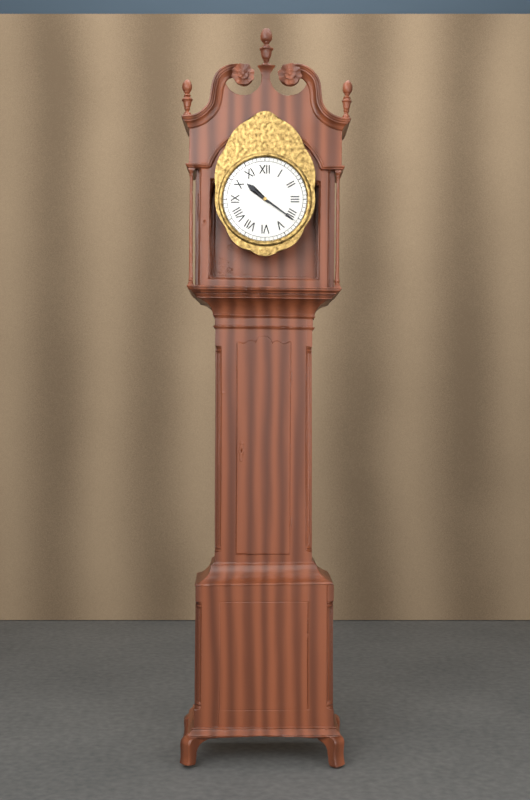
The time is 10h21
